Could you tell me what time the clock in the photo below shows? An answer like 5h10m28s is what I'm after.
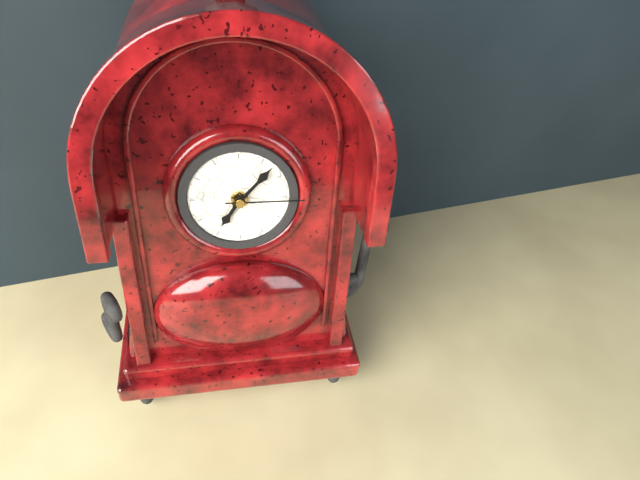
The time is 7h07m15s
